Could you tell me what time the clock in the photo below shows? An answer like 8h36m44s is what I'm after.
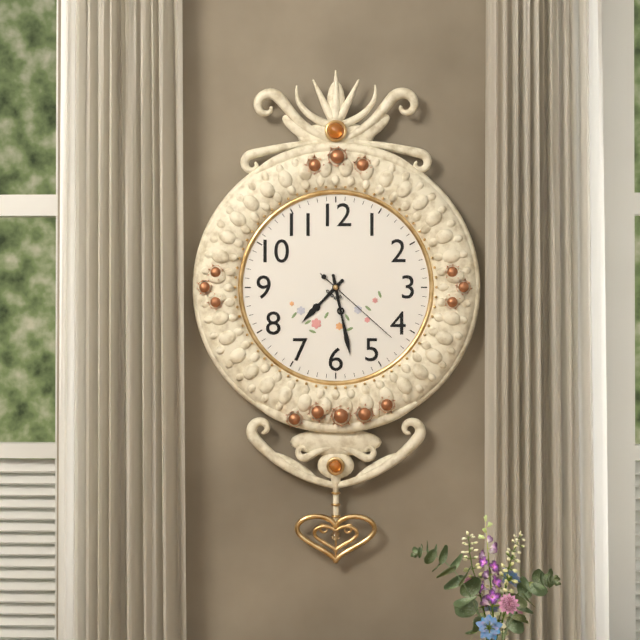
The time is 7h28m22s
